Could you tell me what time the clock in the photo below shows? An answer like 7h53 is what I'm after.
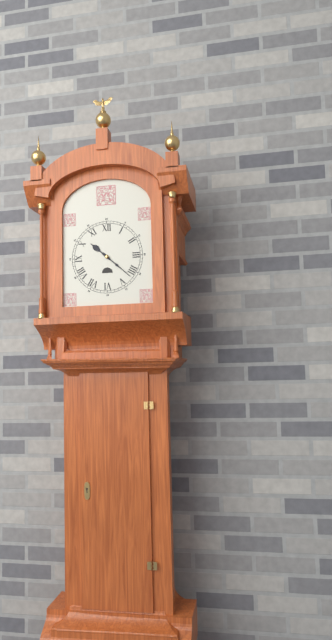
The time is 10h22
